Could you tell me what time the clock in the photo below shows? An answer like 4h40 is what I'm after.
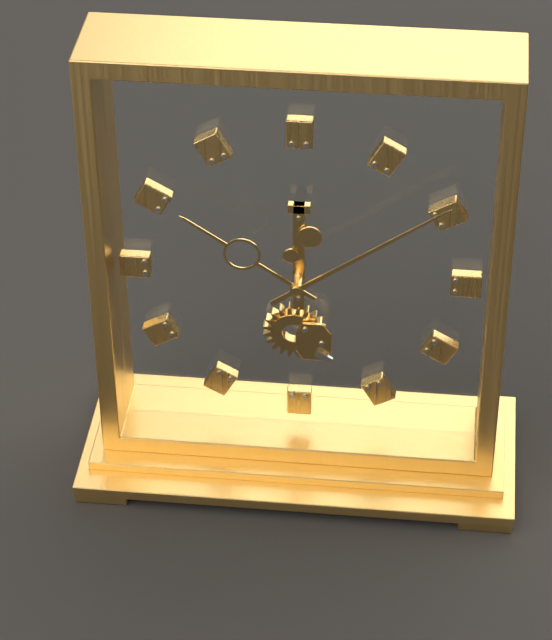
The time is 10h09
